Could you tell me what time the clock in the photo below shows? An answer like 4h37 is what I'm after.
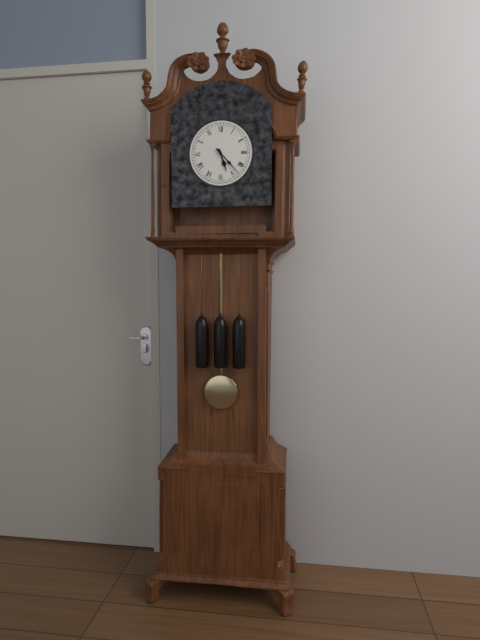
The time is 5h23
